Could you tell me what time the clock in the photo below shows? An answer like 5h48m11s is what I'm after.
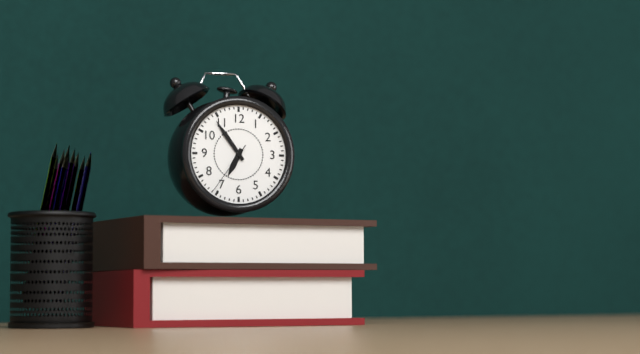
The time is 6h54m36s
